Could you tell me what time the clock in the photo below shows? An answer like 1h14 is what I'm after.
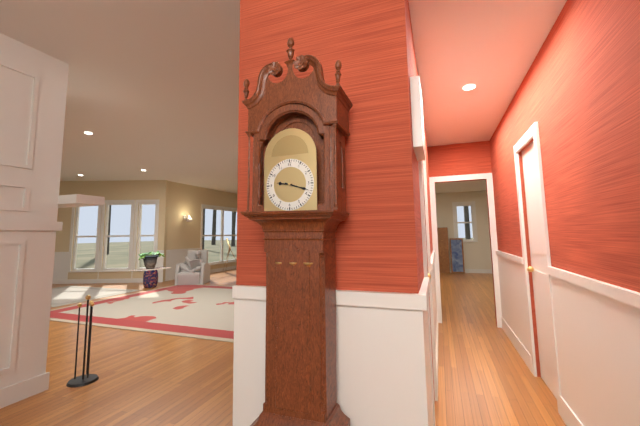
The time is 9h18
